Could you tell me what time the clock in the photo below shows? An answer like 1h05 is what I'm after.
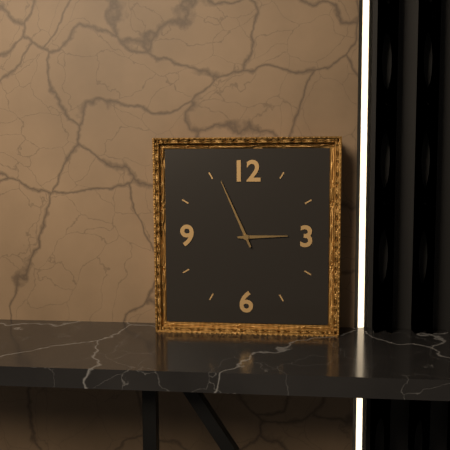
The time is 2h56
